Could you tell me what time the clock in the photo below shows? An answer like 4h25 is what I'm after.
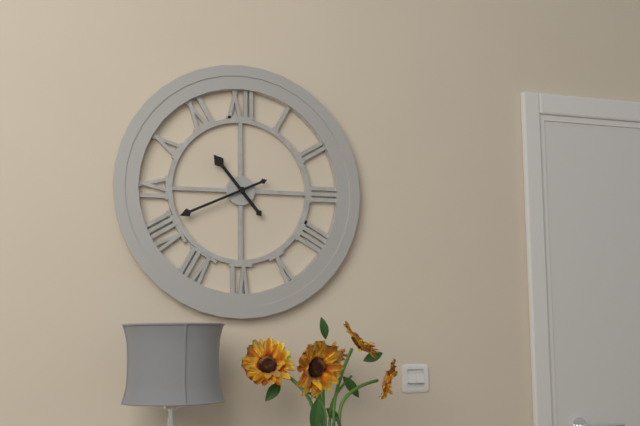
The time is 10h41
